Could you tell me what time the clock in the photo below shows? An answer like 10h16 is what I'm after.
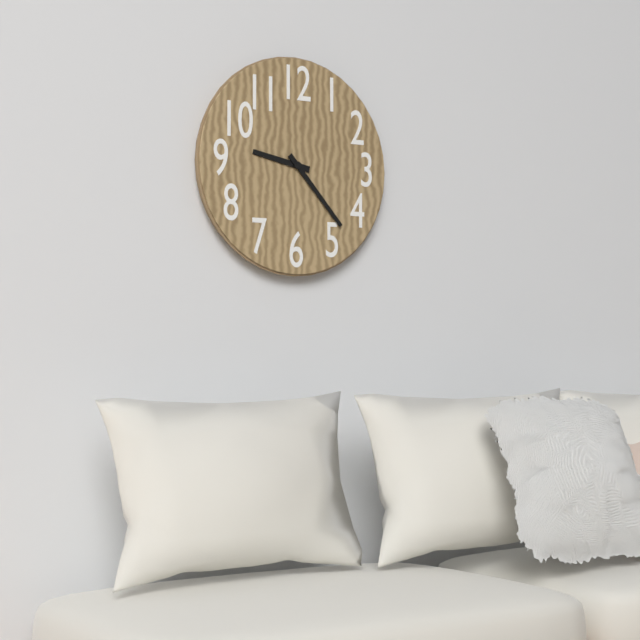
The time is 9h23
